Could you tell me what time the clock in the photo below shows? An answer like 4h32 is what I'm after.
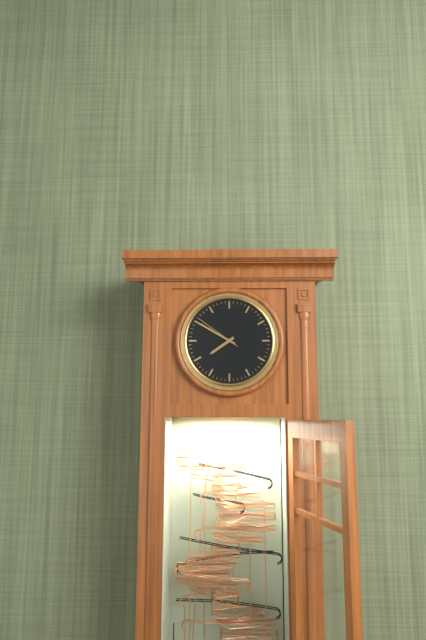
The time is 7h50
